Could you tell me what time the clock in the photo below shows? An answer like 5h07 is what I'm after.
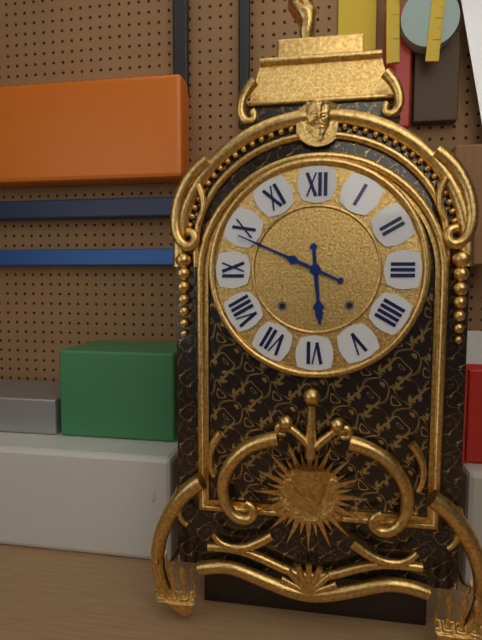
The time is 5h49
